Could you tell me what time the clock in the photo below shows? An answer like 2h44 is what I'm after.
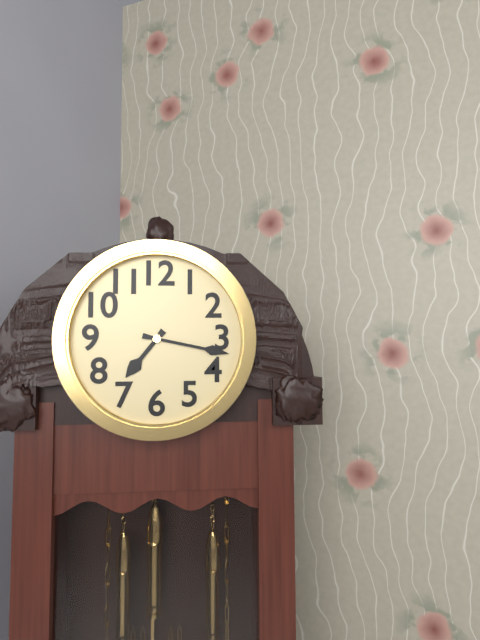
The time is 7h17
